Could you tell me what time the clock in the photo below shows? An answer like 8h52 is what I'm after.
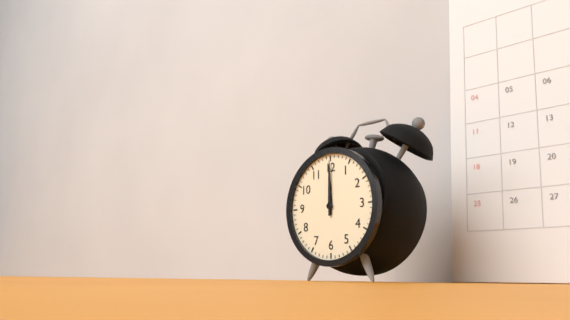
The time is 12h00
